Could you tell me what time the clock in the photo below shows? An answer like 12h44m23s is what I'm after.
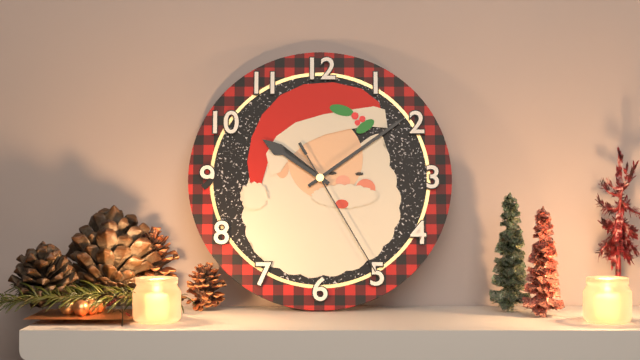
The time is 10h09m25s
